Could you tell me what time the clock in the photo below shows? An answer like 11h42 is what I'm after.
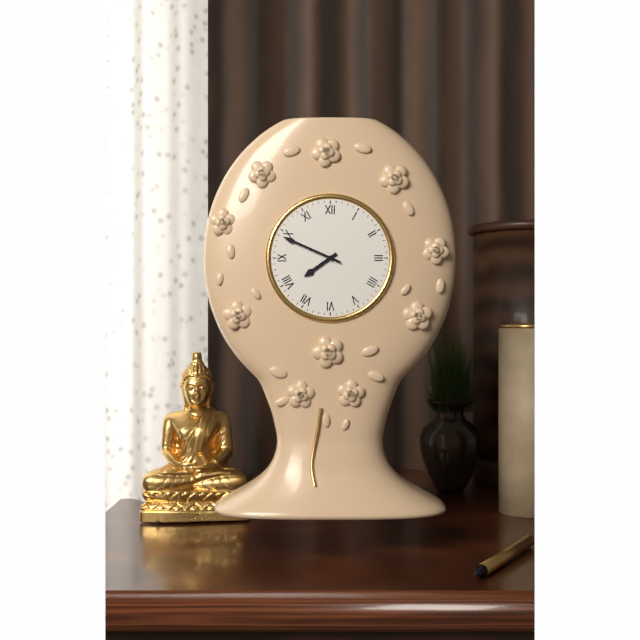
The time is 7h49
